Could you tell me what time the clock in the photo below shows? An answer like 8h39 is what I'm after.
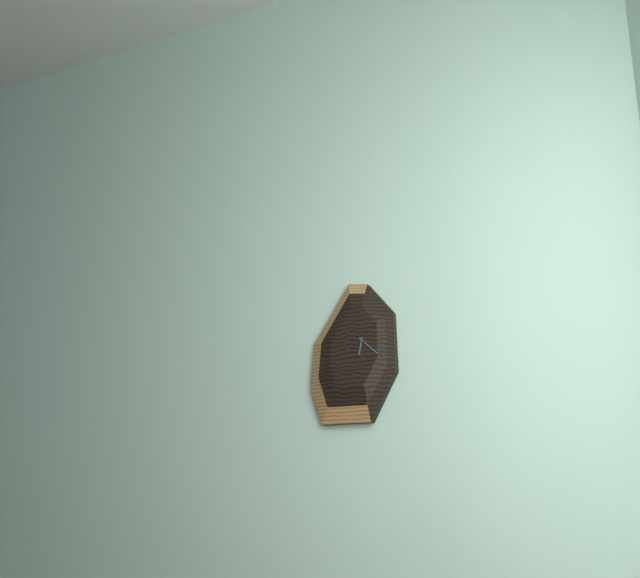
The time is 6h22
